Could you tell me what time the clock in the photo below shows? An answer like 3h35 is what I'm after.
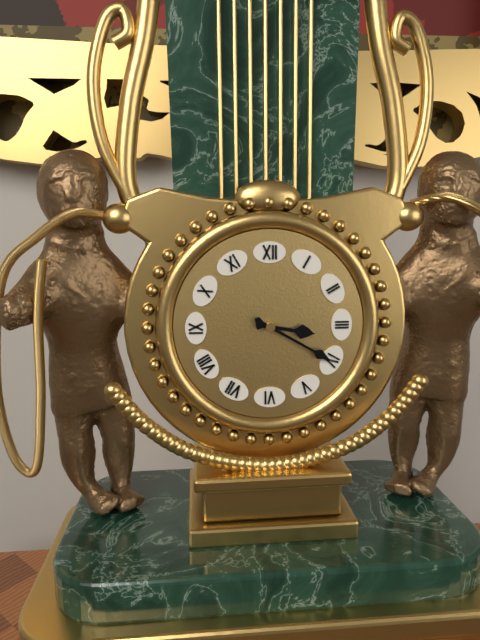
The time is 3h20
